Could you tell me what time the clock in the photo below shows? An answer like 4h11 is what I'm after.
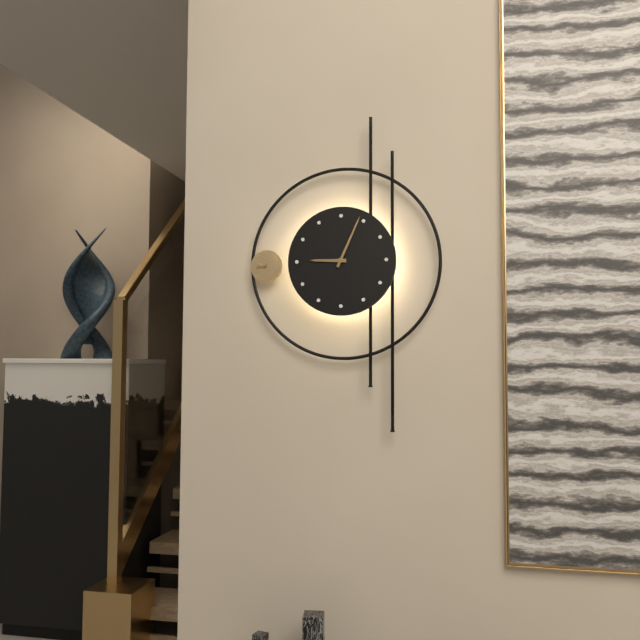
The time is 9h04
